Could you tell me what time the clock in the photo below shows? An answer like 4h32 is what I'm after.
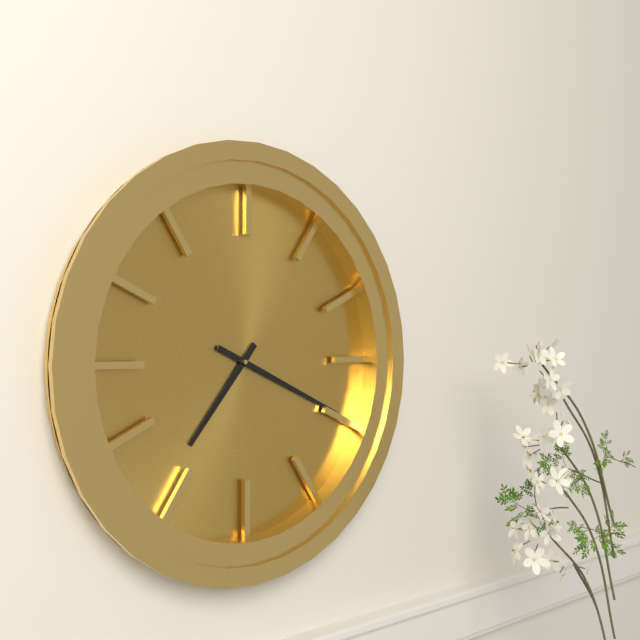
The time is 7h19
